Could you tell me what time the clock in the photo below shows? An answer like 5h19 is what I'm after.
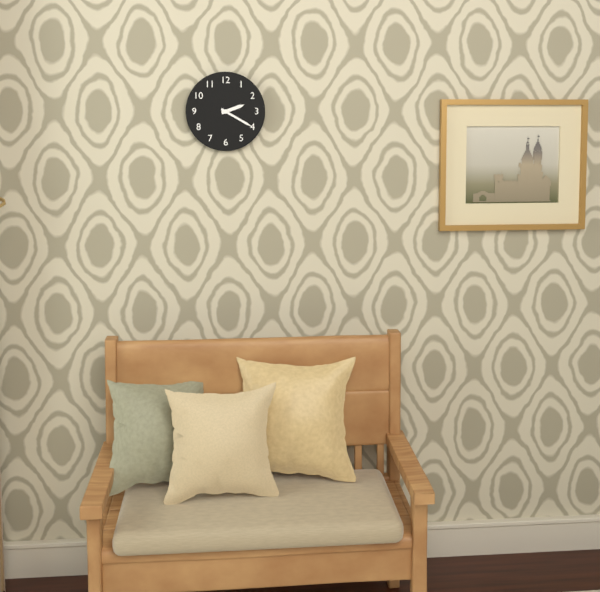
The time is 2h20
